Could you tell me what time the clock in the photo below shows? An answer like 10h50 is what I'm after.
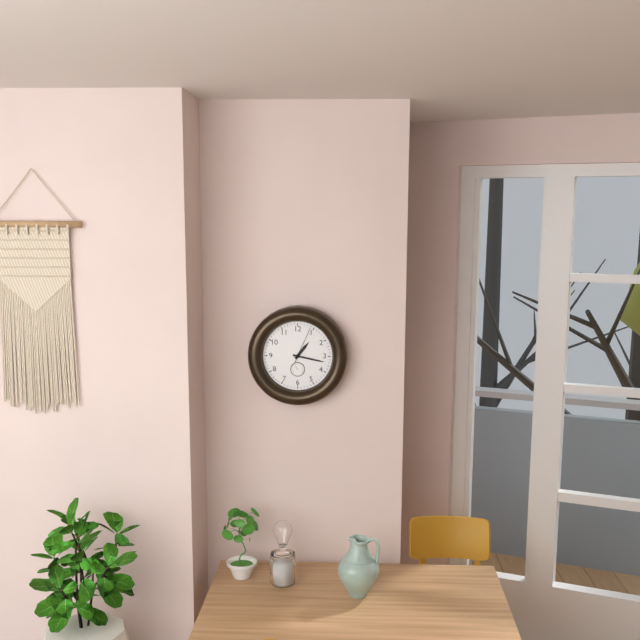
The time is 1h17
